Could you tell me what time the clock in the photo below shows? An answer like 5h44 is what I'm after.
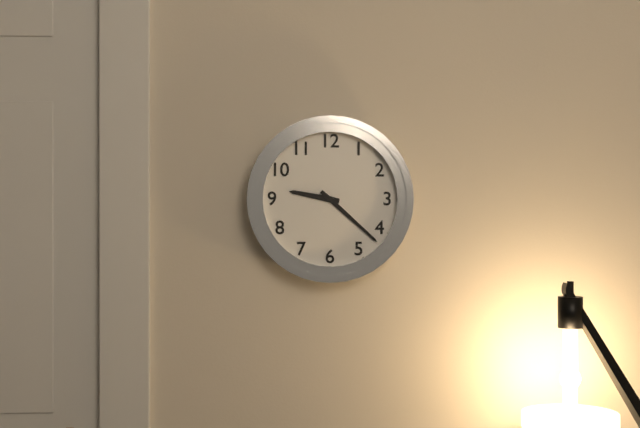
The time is 9h22
